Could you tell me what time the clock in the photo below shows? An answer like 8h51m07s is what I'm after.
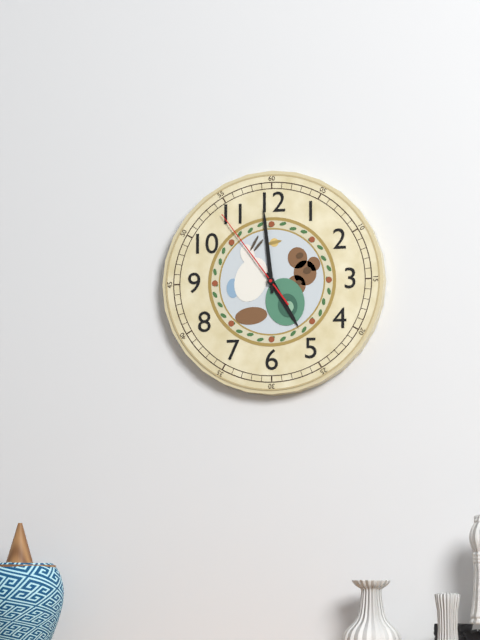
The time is 4h59m54s
